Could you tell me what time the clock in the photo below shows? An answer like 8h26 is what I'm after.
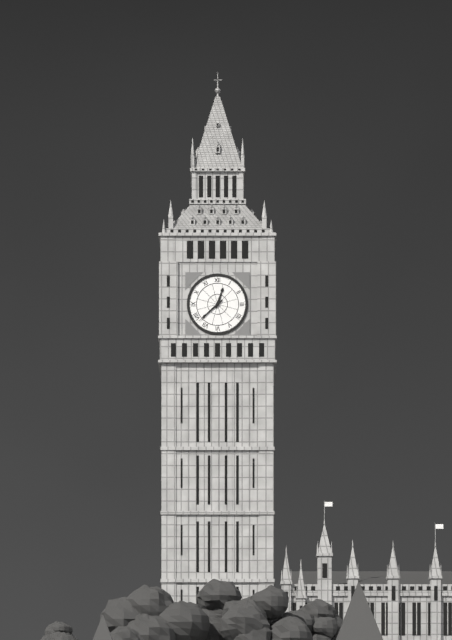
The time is 12h38
